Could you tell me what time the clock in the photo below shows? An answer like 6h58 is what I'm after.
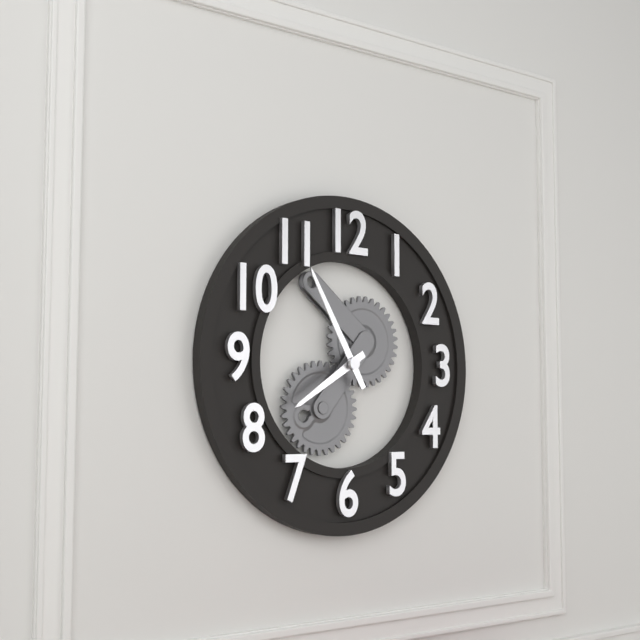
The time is 7h55
